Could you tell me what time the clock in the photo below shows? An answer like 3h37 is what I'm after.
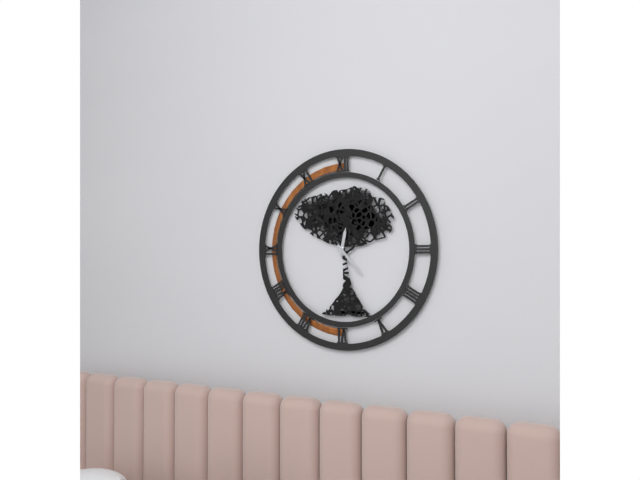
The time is 12h23
